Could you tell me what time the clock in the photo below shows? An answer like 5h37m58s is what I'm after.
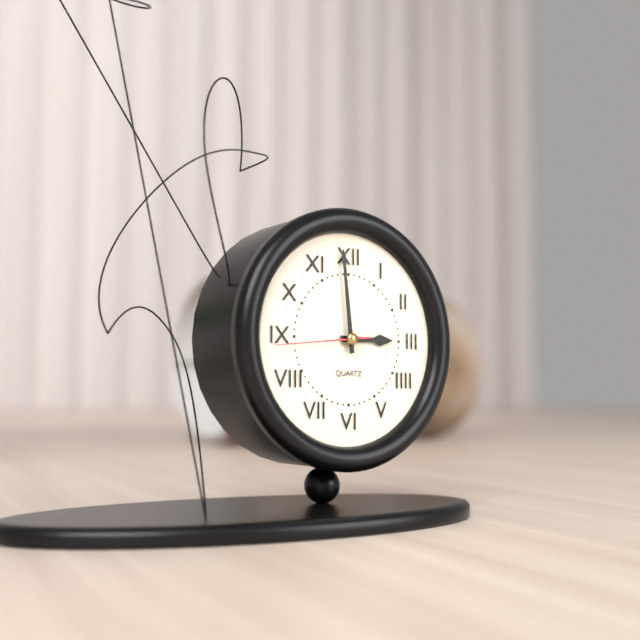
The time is 2h59m44s
